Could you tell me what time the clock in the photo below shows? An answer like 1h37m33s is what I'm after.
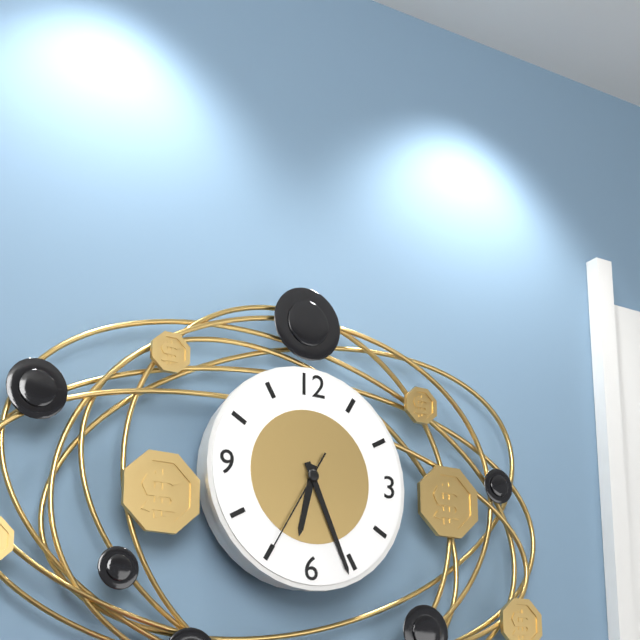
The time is 6h26m35s
